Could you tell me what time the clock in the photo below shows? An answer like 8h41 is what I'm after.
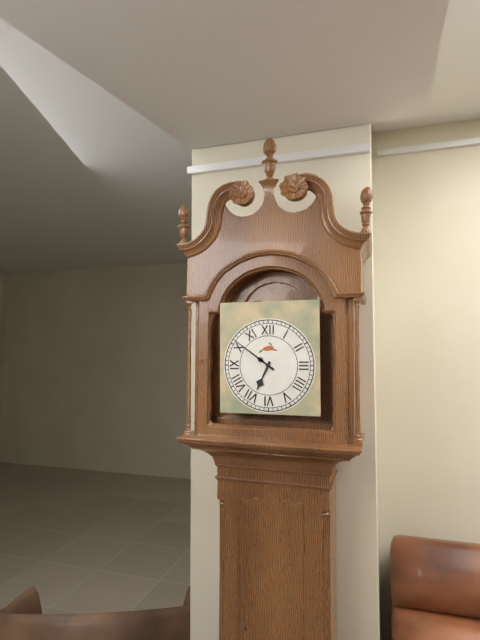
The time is 6h51
